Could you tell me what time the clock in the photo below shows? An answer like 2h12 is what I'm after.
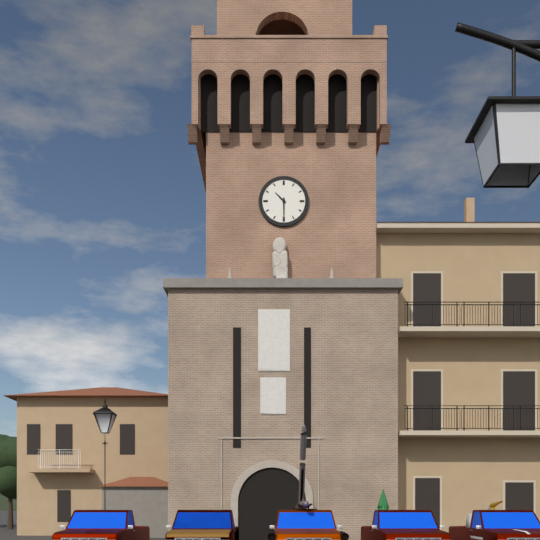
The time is 10h30
